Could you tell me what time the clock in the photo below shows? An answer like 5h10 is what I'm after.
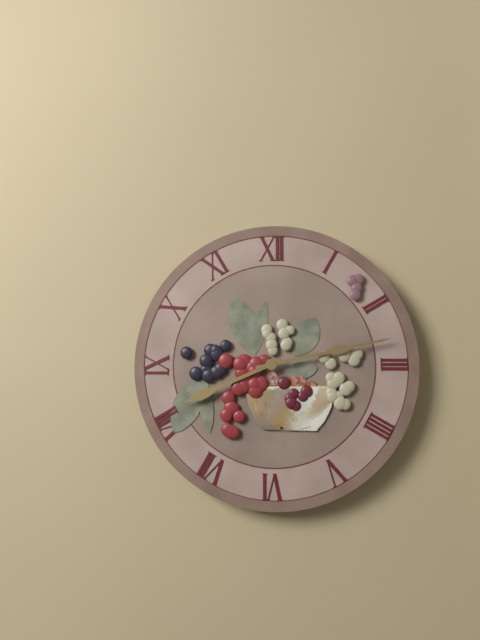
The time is 8h13
